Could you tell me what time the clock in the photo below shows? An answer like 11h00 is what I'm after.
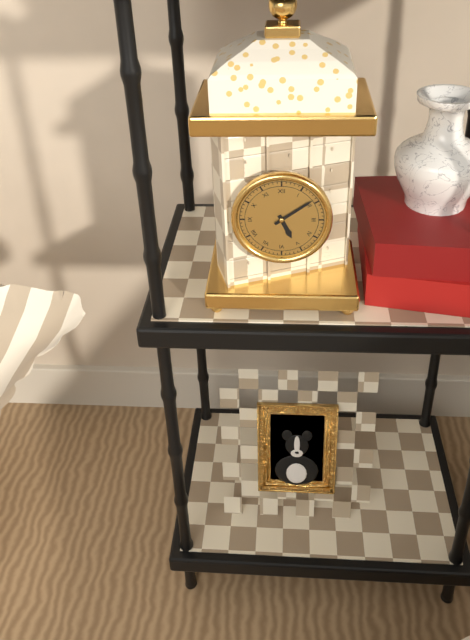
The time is 5h09
